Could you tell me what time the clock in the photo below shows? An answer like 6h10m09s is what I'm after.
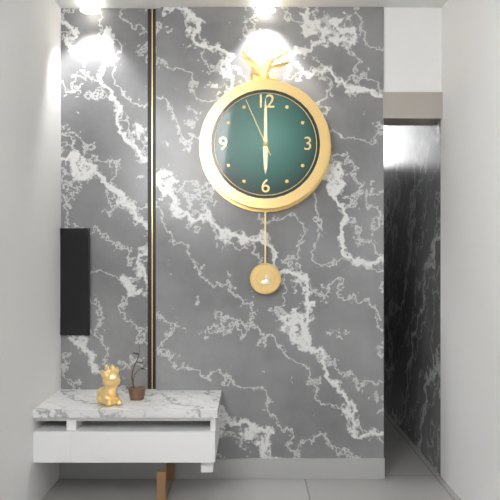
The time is 6h00m56s
